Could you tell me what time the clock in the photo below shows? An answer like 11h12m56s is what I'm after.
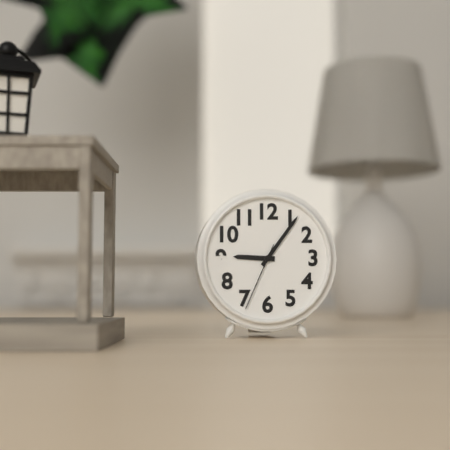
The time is 9h06m34s
